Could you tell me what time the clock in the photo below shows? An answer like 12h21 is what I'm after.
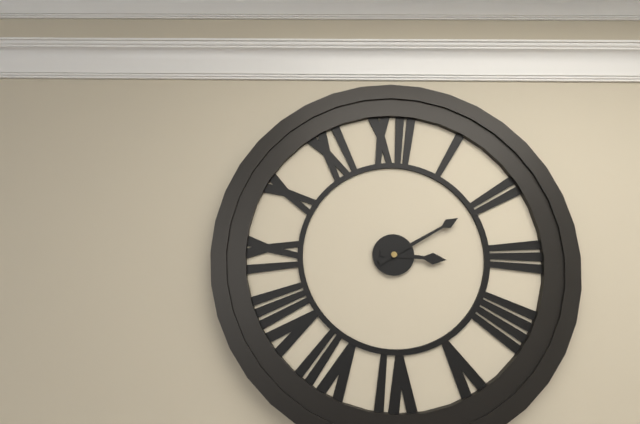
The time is 3h10
